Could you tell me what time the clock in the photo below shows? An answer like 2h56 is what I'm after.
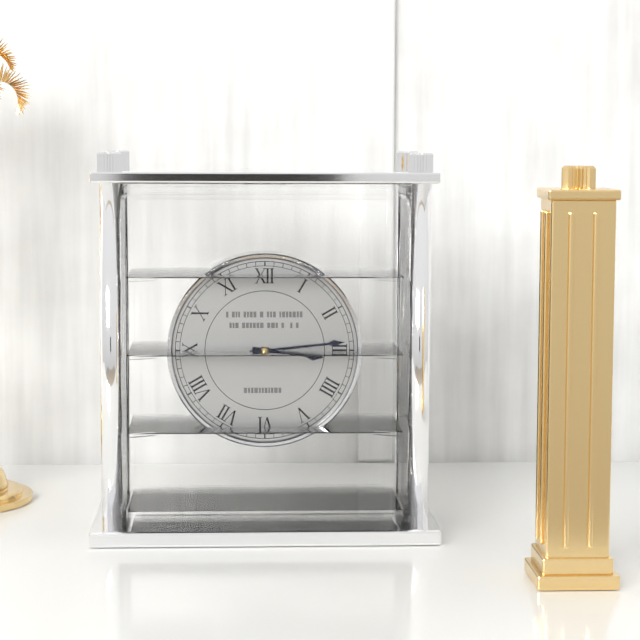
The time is 3h14
